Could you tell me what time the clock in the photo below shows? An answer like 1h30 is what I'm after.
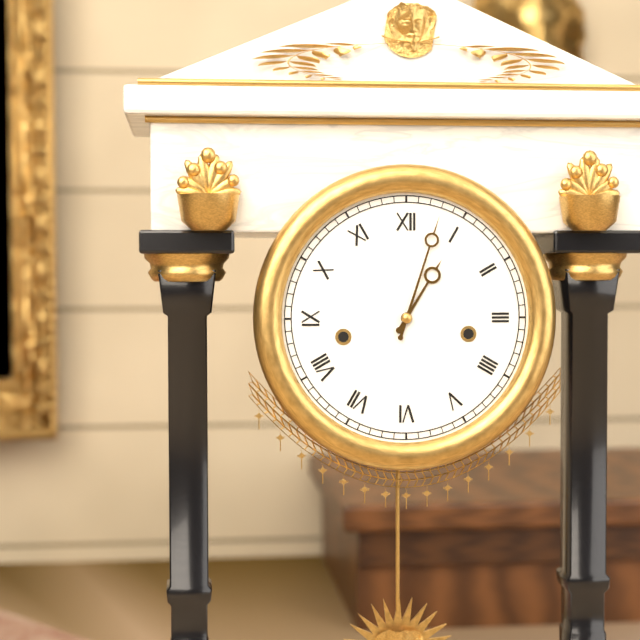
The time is 1h03
